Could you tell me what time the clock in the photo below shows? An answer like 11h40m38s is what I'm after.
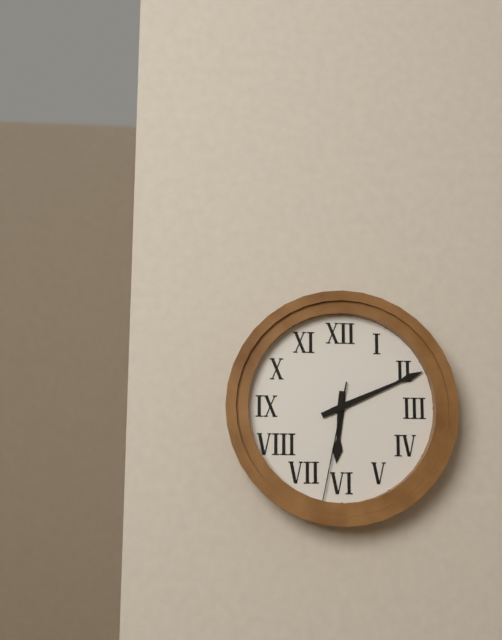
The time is 6h11m32s
